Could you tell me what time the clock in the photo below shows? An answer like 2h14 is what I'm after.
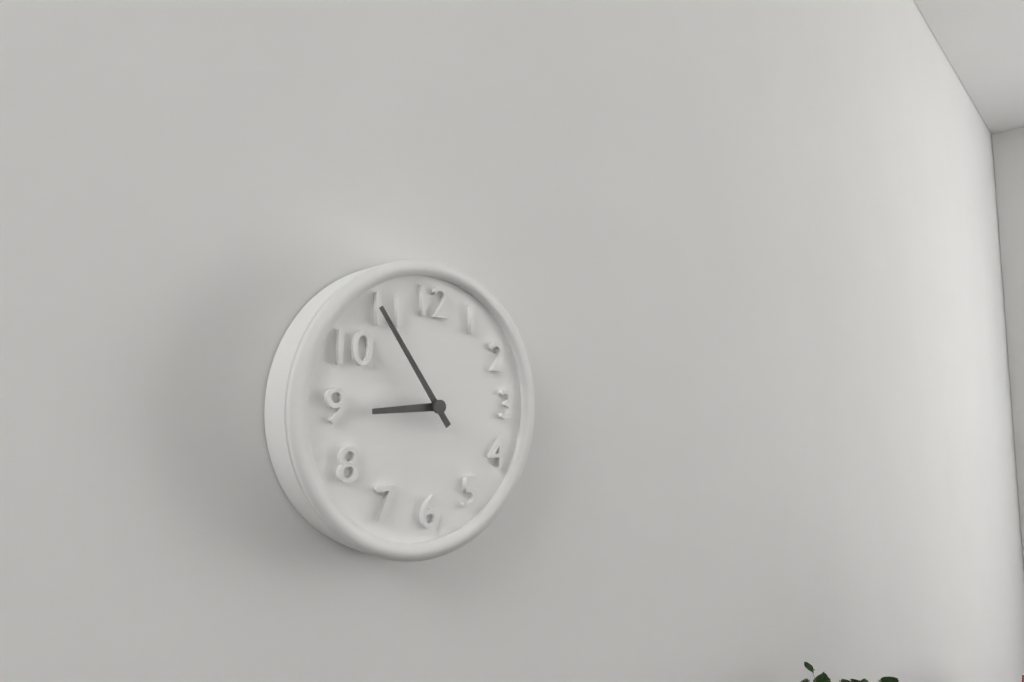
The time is 8h54
